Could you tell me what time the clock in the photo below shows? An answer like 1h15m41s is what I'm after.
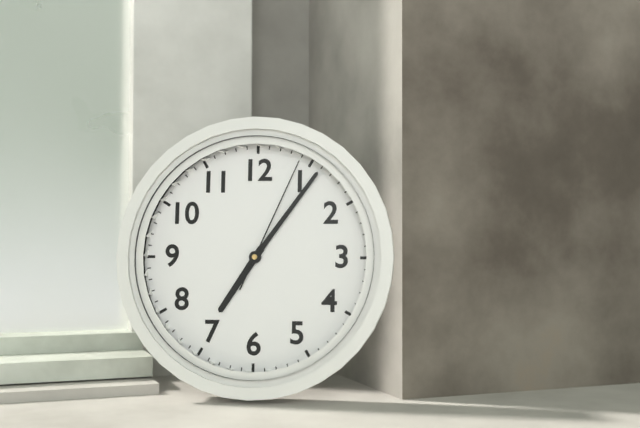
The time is 7h06m04s
